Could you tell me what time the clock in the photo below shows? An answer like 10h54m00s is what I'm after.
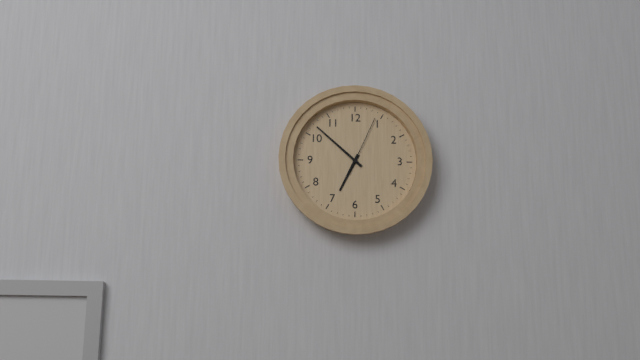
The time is 6h52m04s
